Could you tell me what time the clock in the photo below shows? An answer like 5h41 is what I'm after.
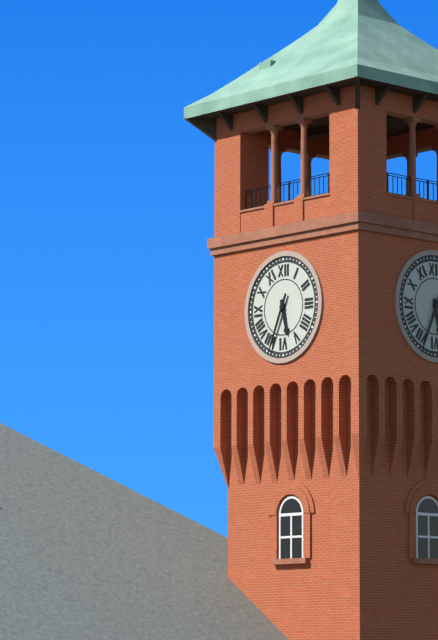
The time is 5h34
